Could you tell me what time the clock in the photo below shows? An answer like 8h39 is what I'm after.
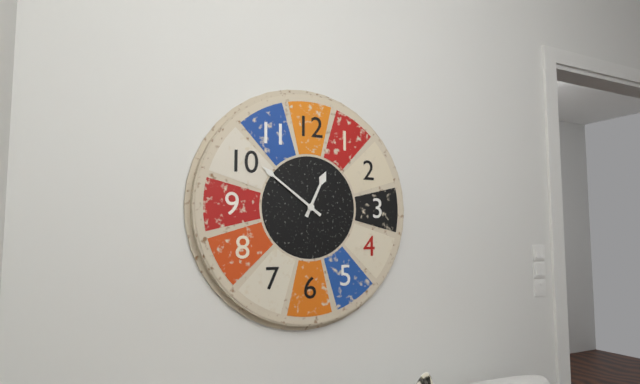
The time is 12h51
